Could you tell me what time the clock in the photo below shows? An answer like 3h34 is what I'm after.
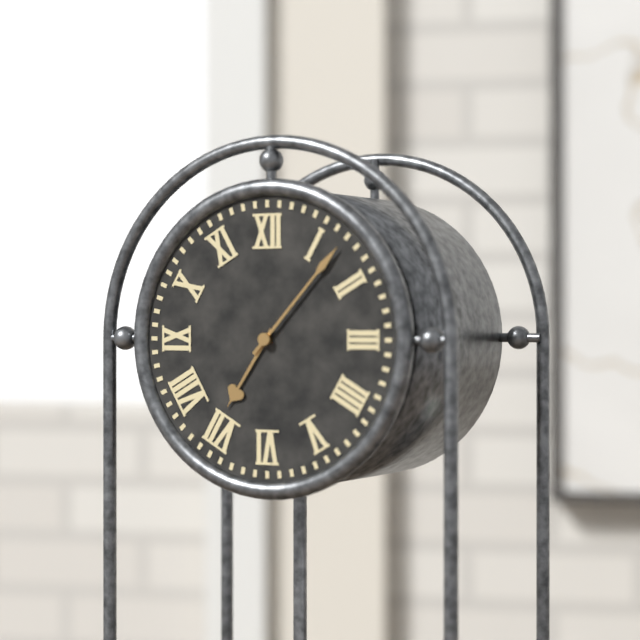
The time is 7h07
